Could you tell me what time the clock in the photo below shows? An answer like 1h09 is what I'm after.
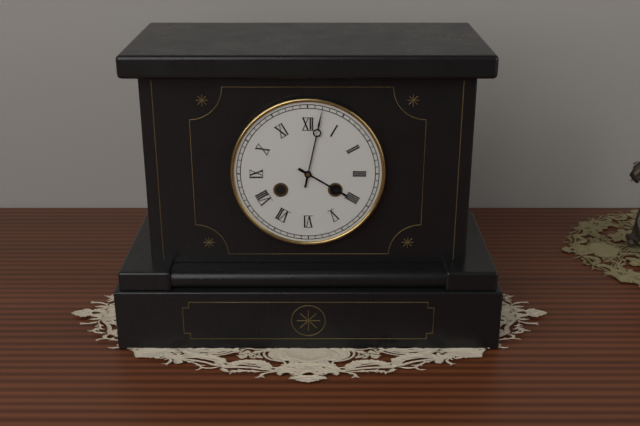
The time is 4h02
